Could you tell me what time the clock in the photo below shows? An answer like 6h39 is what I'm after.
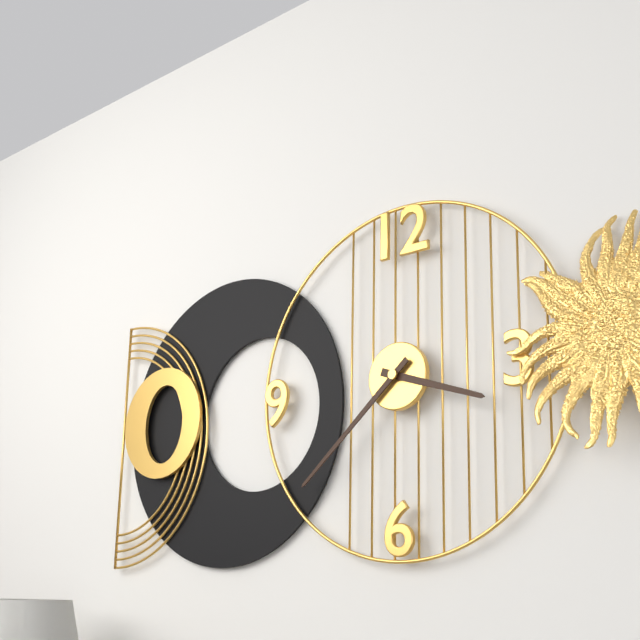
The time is 3h38
